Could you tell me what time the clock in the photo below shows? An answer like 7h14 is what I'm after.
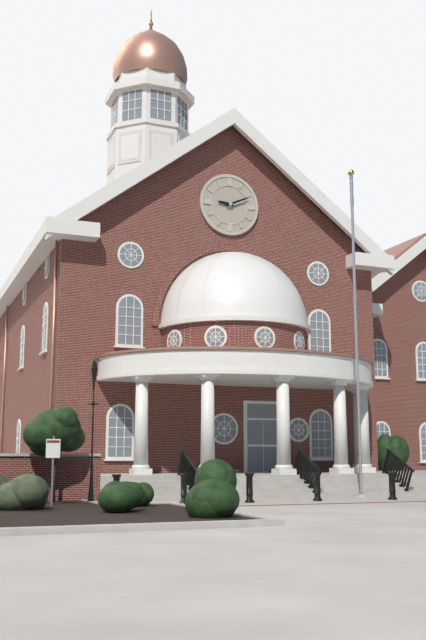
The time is 9h11
